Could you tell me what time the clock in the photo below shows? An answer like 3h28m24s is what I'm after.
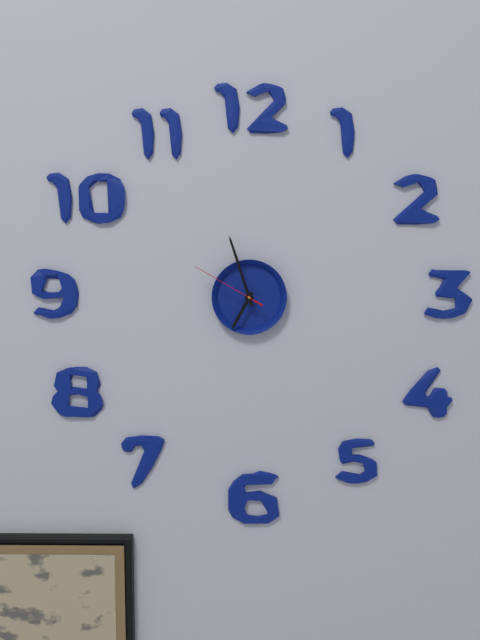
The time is 6h57m50s
